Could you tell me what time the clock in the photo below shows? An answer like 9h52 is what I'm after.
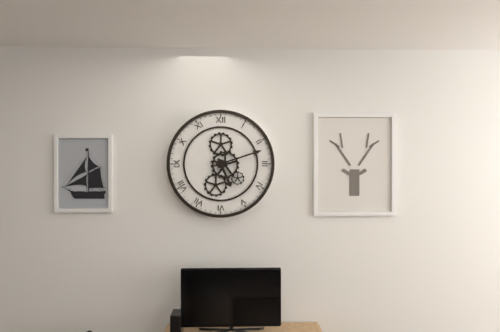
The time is 5h12
